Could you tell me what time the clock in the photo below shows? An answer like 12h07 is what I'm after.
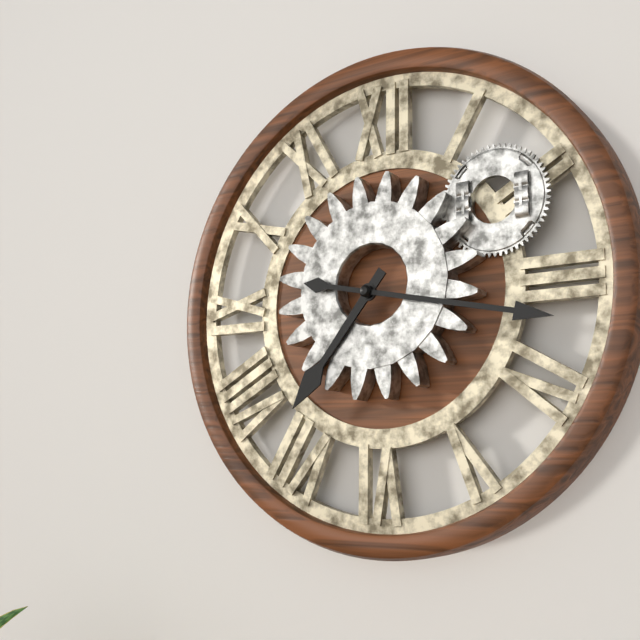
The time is 7h17
